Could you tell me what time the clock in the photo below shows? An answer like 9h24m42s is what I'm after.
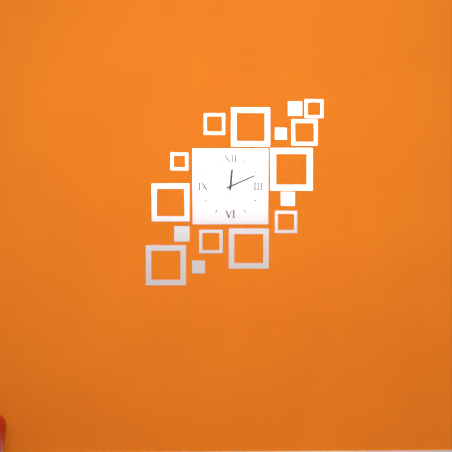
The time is 12h11m05s
